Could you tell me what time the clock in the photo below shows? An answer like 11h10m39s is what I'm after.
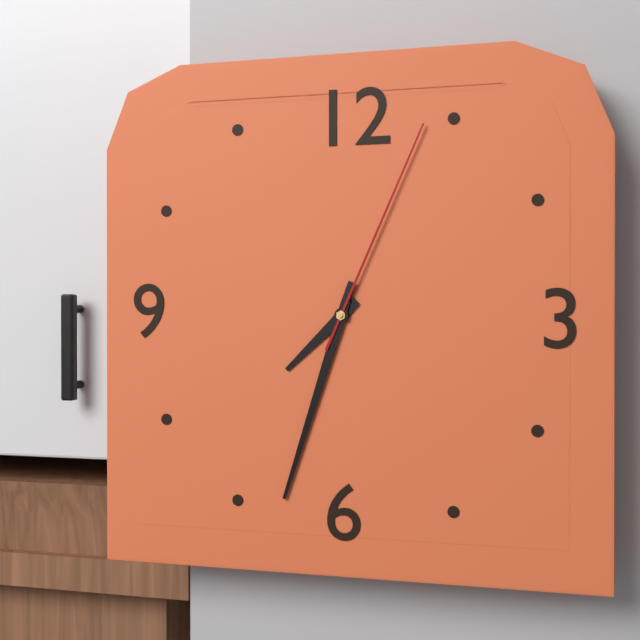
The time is 7h33m04s
